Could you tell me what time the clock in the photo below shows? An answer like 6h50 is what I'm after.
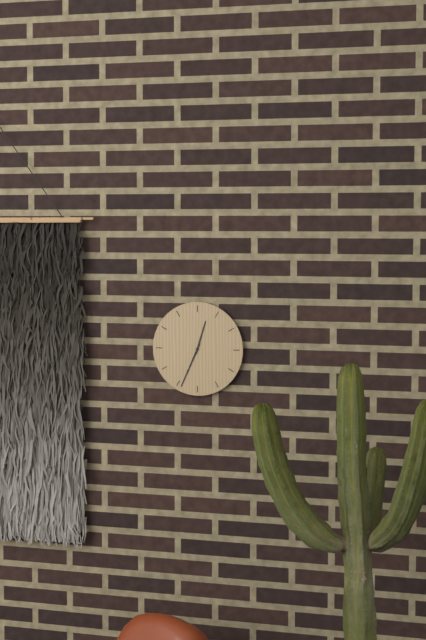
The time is 12h34
